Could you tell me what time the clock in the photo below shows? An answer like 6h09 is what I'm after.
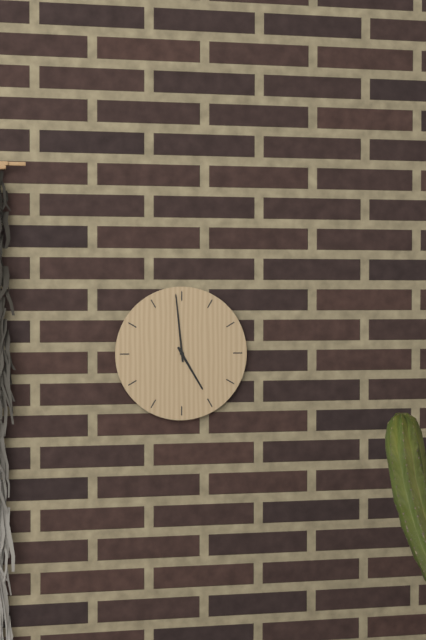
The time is 4h59
